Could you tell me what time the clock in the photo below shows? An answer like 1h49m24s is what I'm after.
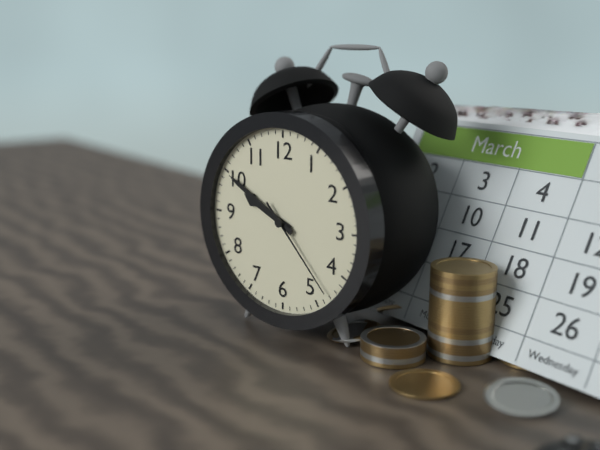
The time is 9h50m23s
